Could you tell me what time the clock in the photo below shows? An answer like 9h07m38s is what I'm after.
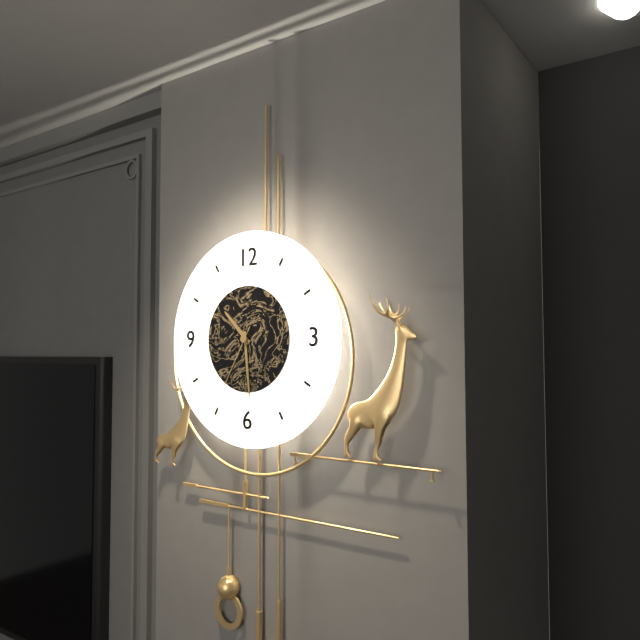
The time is 10h29m35s
